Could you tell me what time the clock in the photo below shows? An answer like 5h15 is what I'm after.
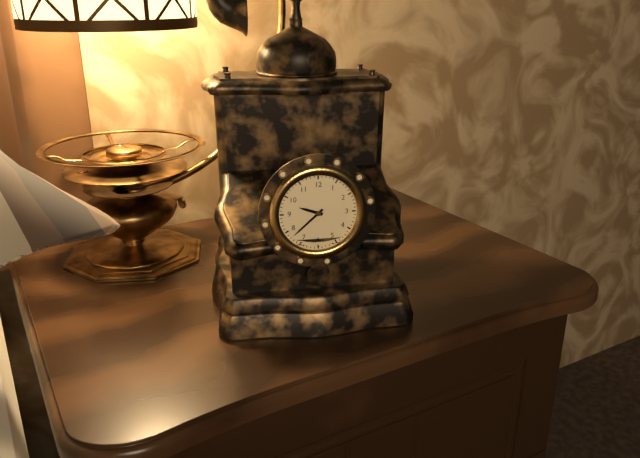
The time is 9h38
